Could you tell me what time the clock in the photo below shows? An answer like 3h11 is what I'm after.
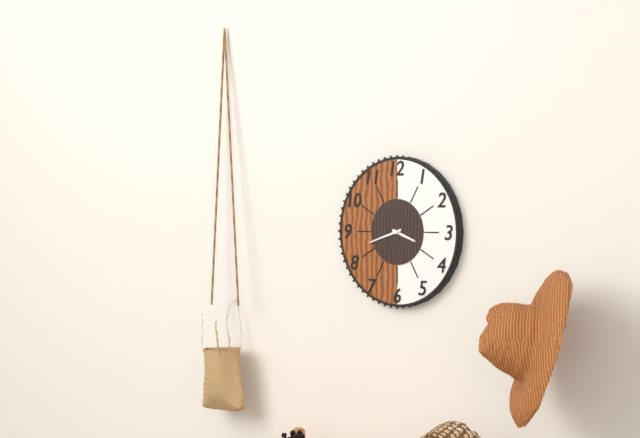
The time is 3h42
